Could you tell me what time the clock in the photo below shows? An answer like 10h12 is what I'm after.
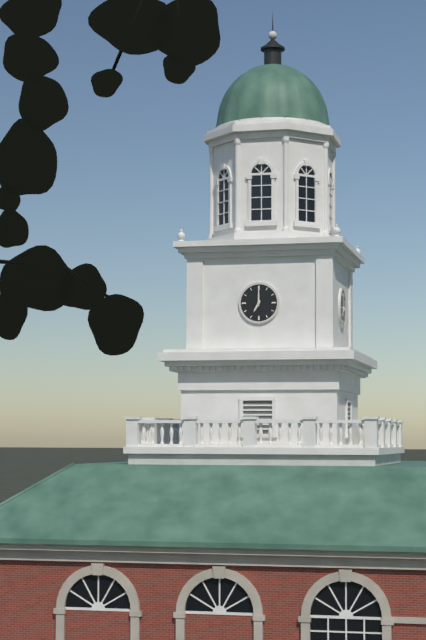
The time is 7h00
